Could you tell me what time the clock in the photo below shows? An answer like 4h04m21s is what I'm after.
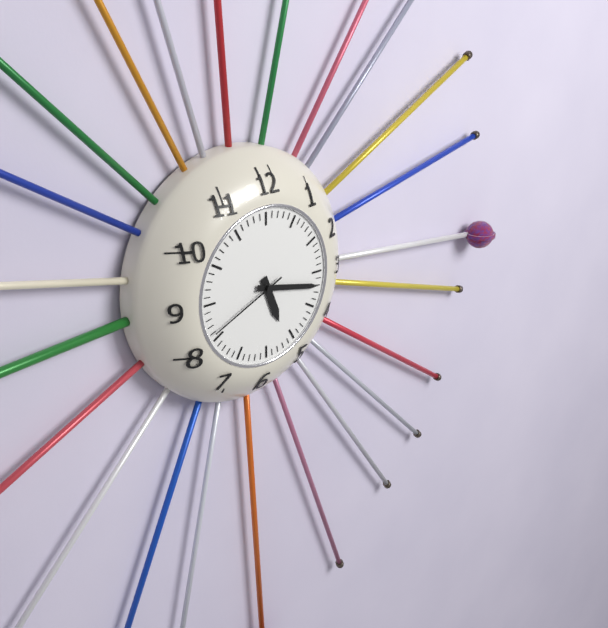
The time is 5h17m41s
